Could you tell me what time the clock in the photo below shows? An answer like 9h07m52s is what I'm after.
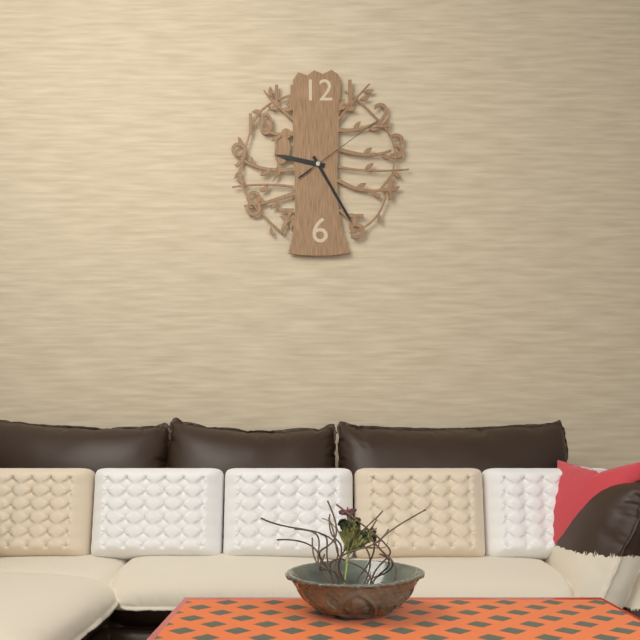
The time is 9h25m09s
